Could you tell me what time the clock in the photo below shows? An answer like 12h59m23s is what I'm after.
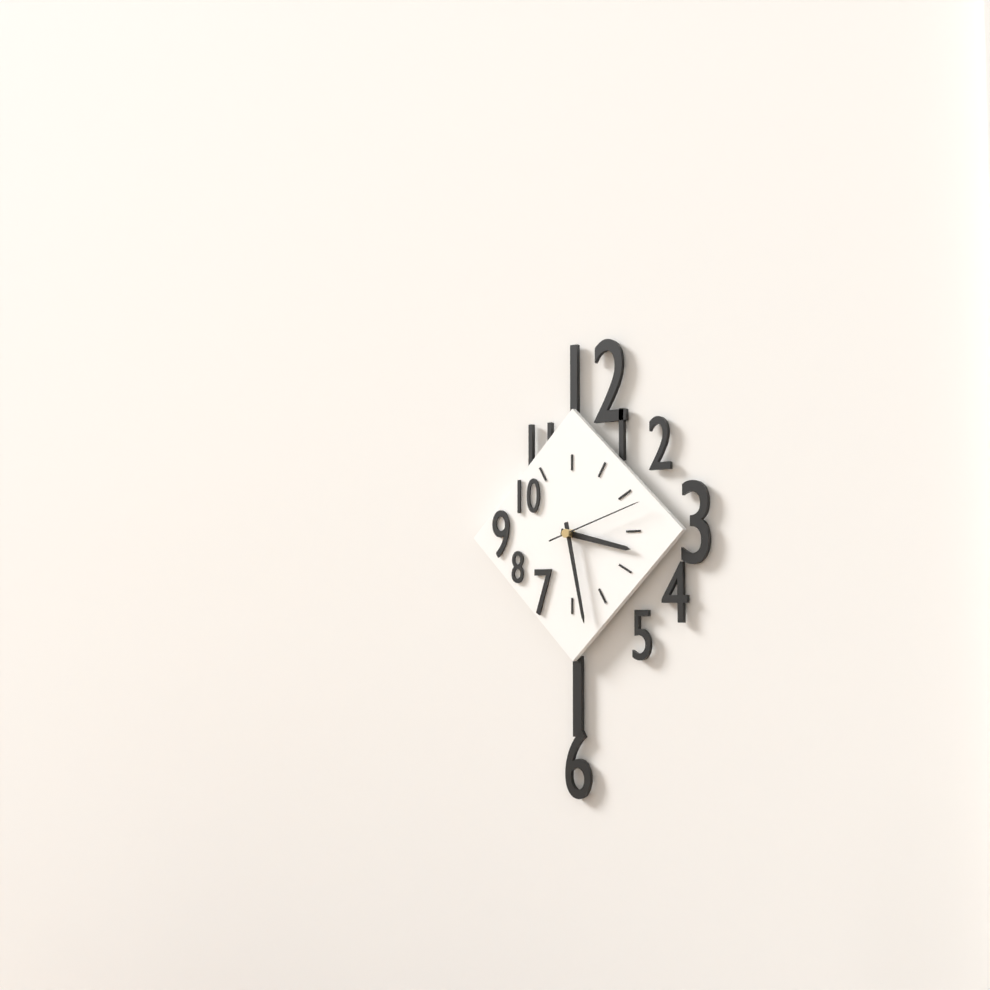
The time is 3h28m12s
